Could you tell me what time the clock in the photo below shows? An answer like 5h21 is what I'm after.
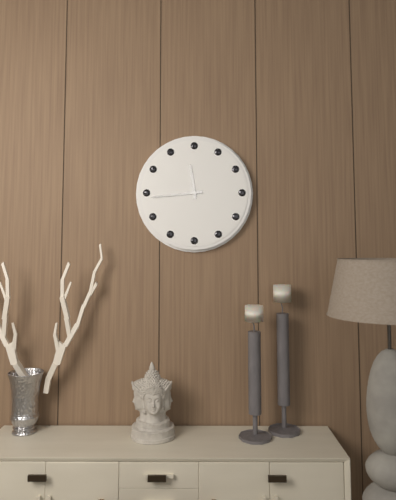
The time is 11h44
